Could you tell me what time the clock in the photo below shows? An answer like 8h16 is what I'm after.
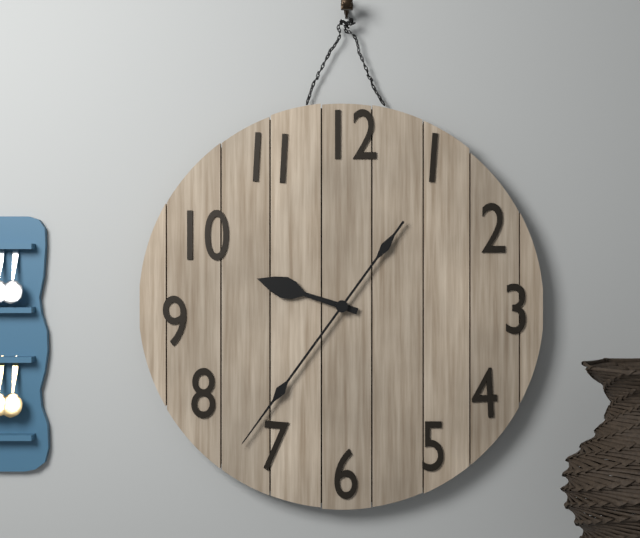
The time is 9h36
